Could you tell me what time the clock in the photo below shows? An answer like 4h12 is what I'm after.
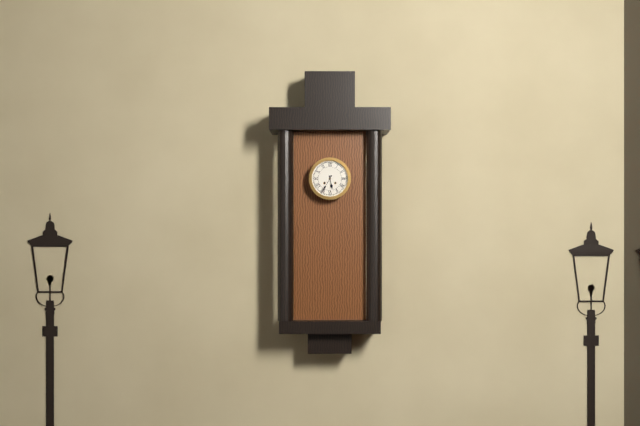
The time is 5h35
